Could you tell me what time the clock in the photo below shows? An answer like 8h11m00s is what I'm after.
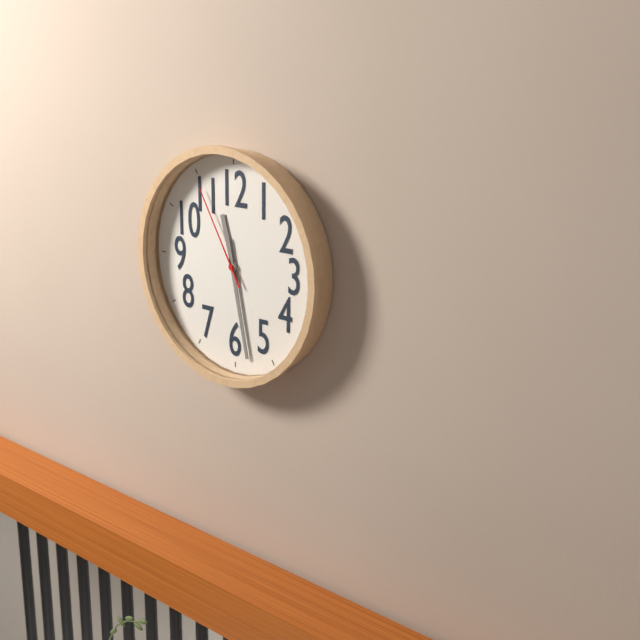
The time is 11h28m55s
